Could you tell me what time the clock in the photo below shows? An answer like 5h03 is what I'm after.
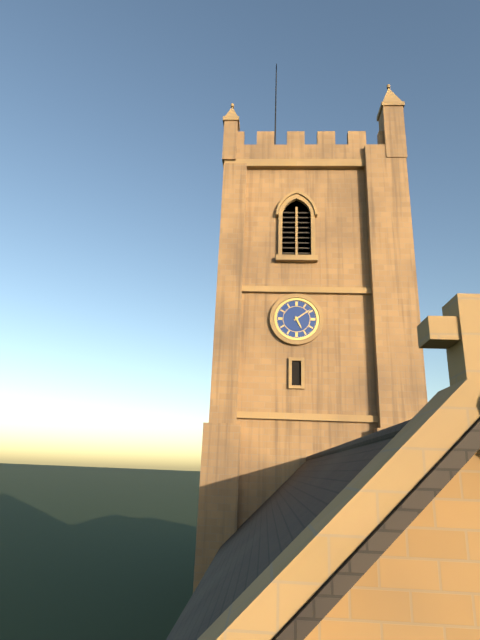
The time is 5h09
